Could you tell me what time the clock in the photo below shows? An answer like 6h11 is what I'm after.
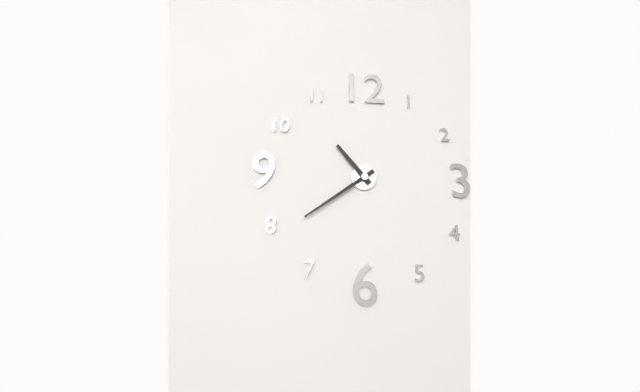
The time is 10h39
